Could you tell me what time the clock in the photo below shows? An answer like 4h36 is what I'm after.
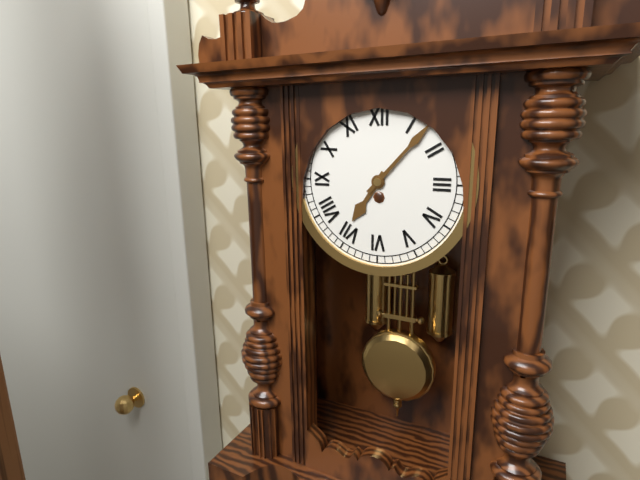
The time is 7h07
